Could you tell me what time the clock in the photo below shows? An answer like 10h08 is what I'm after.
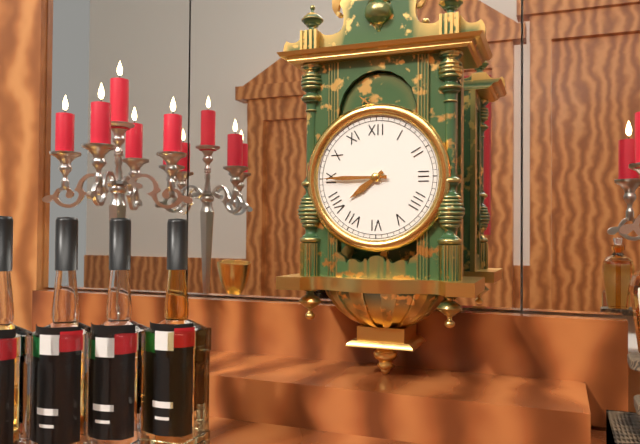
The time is 7h45
